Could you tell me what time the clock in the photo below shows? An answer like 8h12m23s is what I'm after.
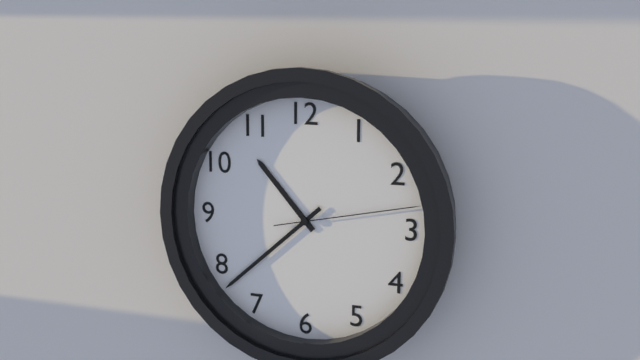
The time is 10h38m13s
